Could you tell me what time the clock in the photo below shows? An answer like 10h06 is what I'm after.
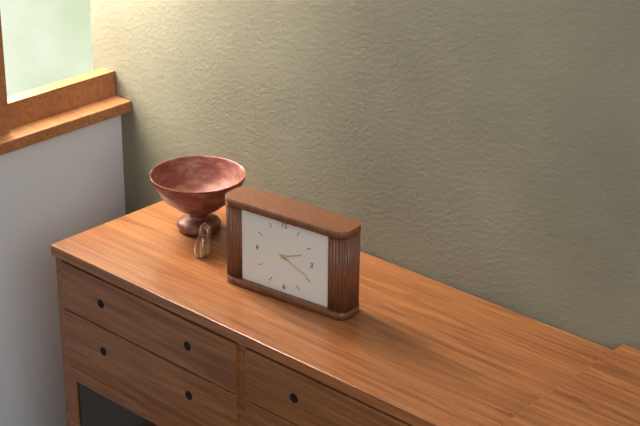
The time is 2h19
